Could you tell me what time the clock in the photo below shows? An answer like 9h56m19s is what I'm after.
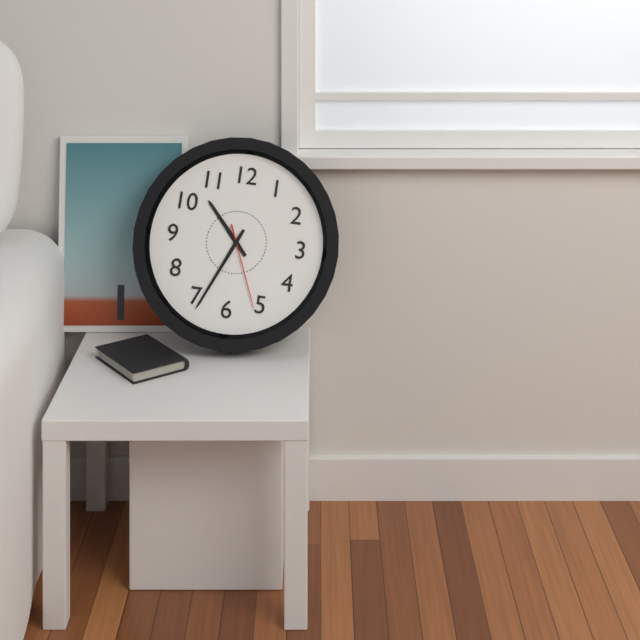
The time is 10h34m26s
